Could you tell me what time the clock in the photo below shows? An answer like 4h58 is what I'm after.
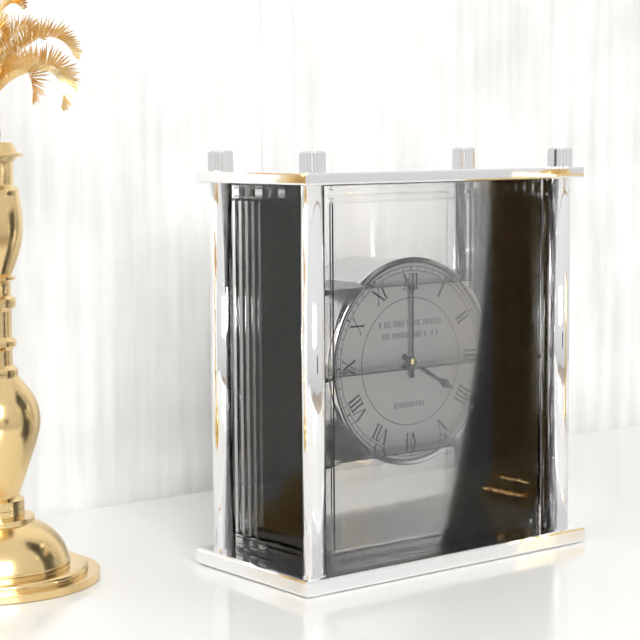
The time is 4h00
